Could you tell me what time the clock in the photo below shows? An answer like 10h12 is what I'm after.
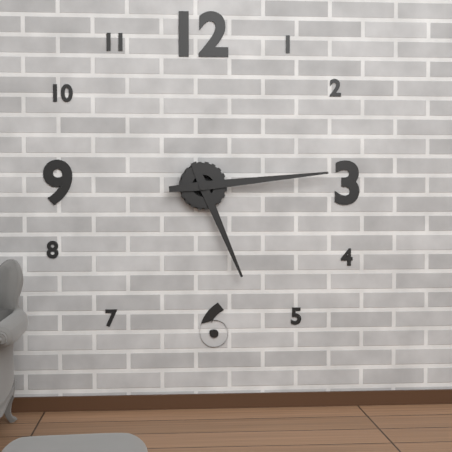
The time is 5h14
